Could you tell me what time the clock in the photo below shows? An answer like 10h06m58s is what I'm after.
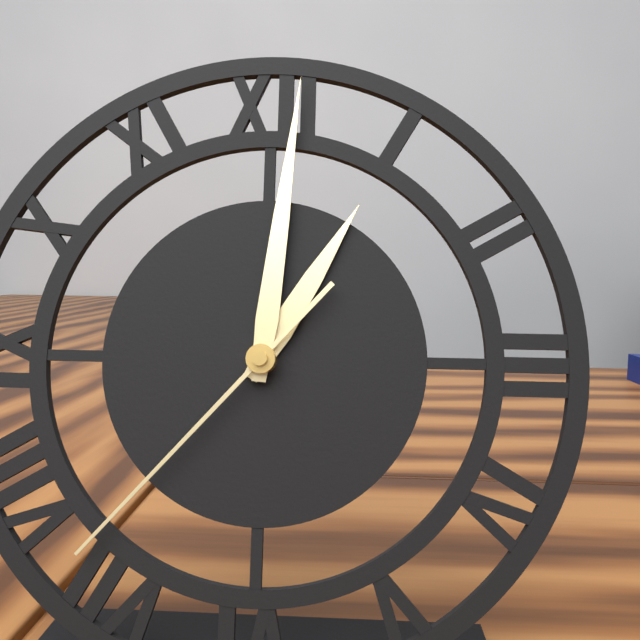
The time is 1h01m37s
